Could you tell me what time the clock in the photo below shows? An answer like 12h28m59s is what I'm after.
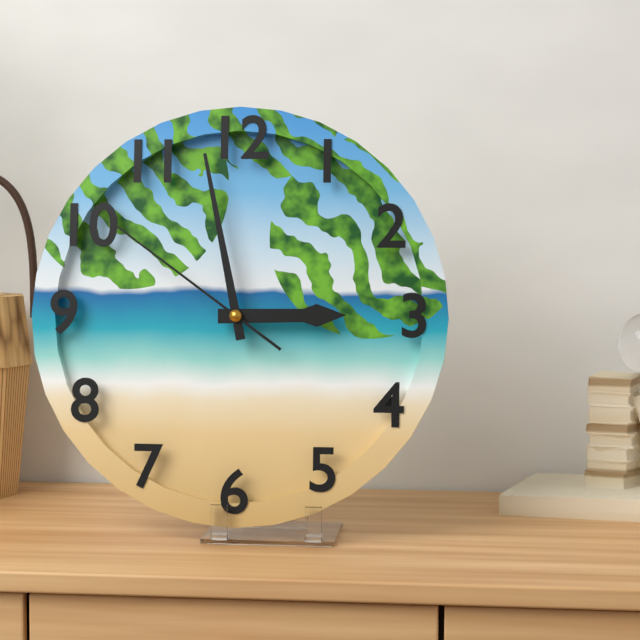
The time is 2h58m51s
